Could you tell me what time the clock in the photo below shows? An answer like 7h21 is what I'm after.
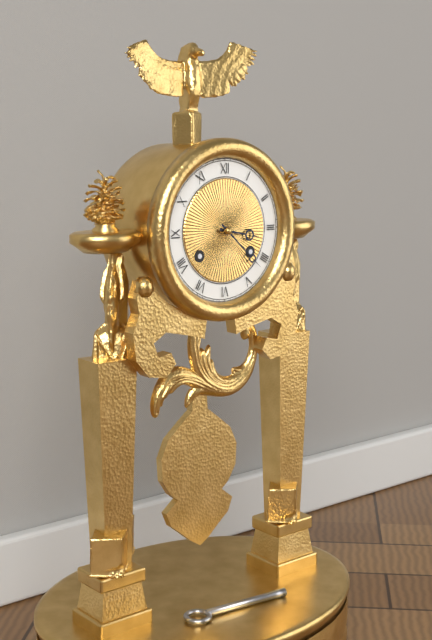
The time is 3h22
